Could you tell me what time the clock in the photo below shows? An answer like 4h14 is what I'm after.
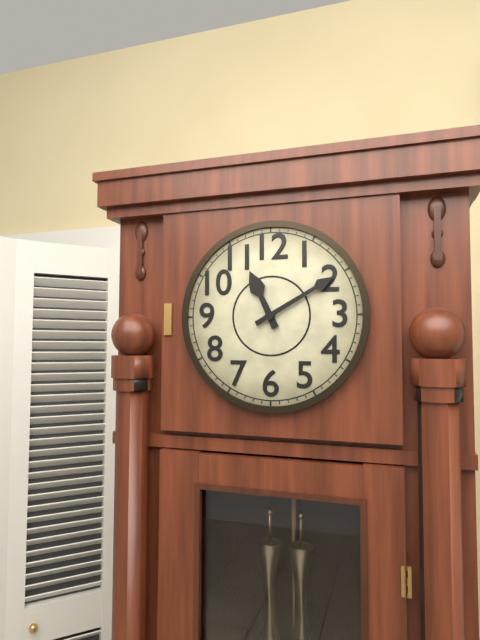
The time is 11h10
